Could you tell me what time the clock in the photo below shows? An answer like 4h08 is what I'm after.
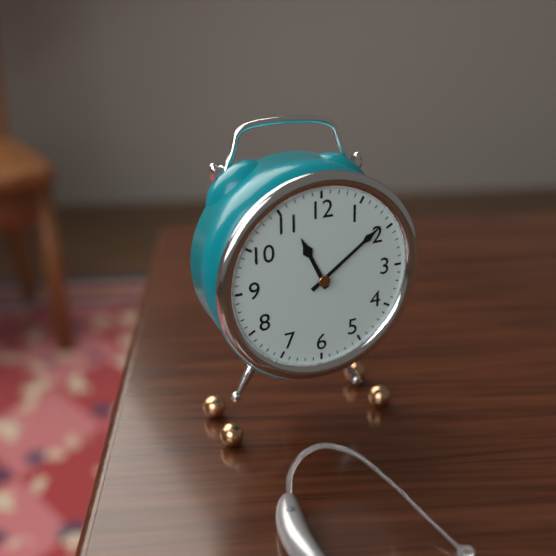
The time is 11h09
